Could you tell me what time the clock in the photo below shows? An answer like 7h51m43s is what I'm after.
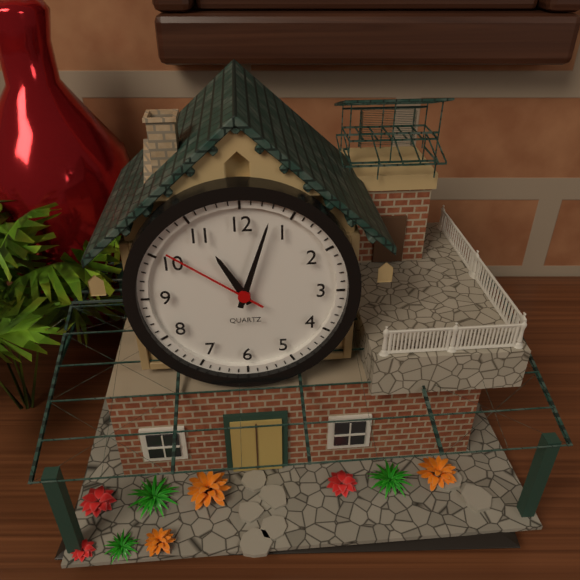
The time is 11h03m51s
